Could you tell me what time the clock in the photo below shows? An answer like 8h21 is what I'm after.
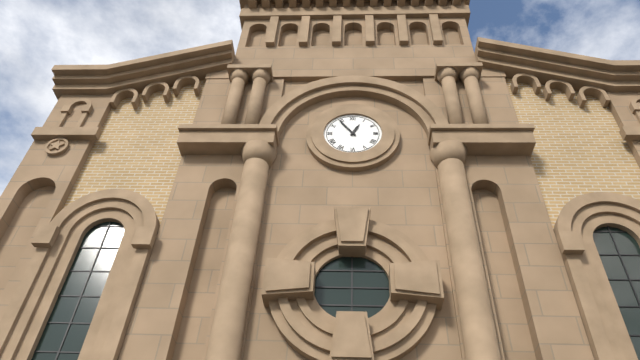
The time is 12h54
